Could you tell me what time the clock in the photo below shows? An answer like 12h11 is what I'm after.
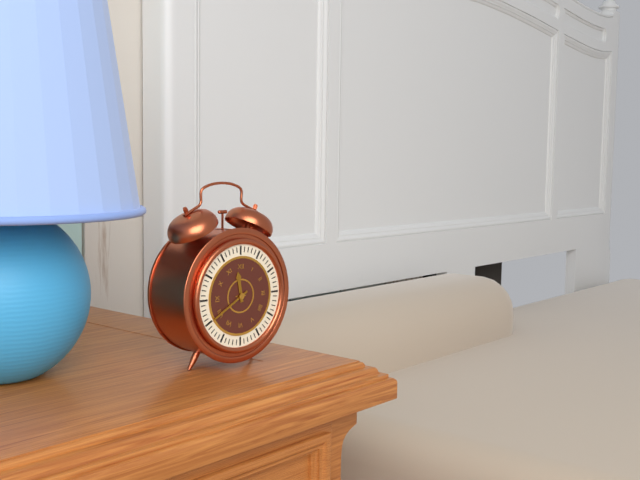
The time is 11h40
